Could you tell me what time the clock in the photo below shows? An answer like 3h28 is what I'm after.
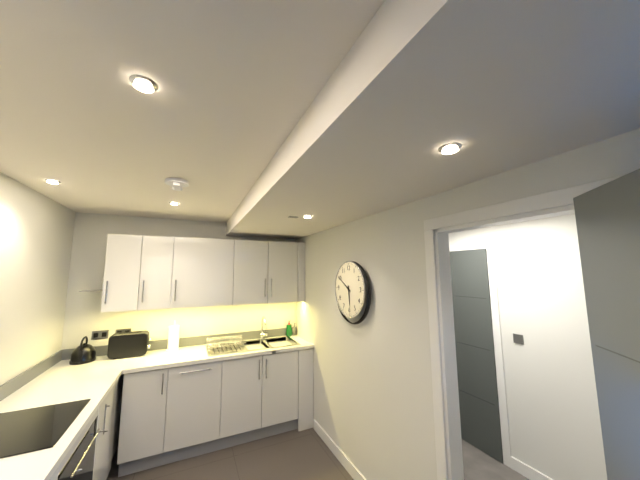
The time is 5h50
